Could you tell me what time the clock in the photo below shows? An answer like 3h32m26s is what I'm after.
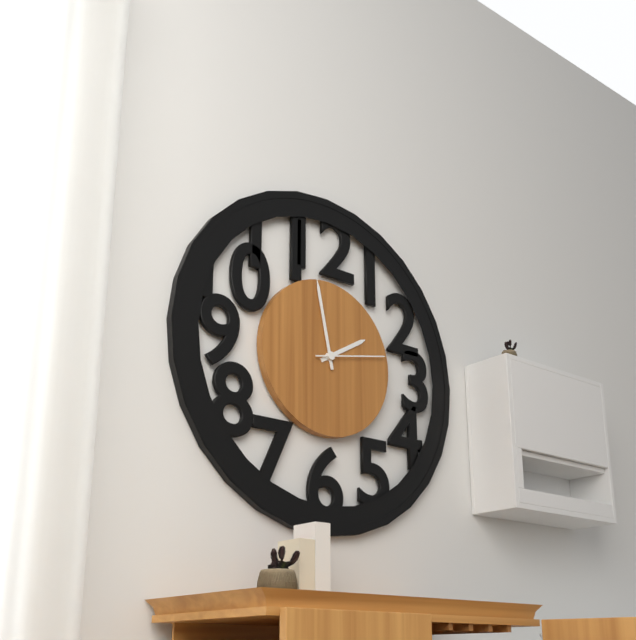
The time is 1h58m13s
